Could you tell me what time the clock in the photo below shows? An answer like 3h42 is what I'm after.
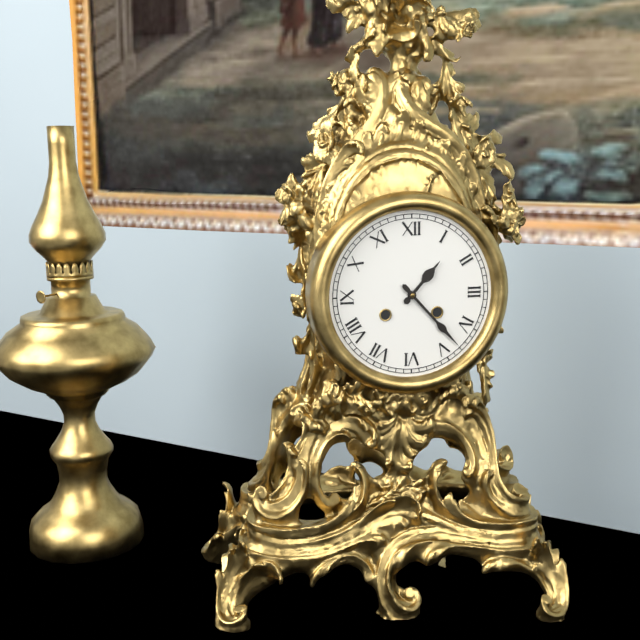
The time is 1h23
